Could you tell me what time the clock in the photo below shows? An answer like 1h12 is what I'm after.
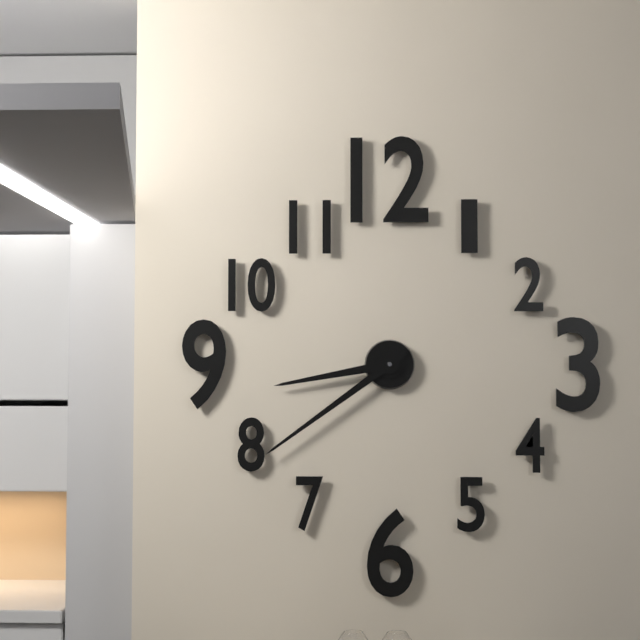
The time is 8h39
